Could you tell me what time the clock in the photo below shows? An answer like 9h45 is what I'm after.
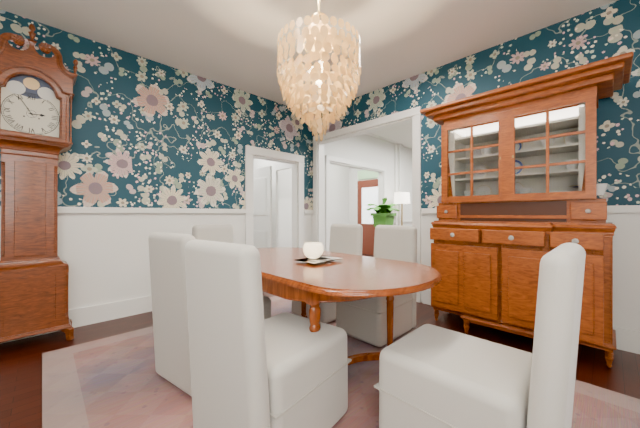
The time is 2h55
